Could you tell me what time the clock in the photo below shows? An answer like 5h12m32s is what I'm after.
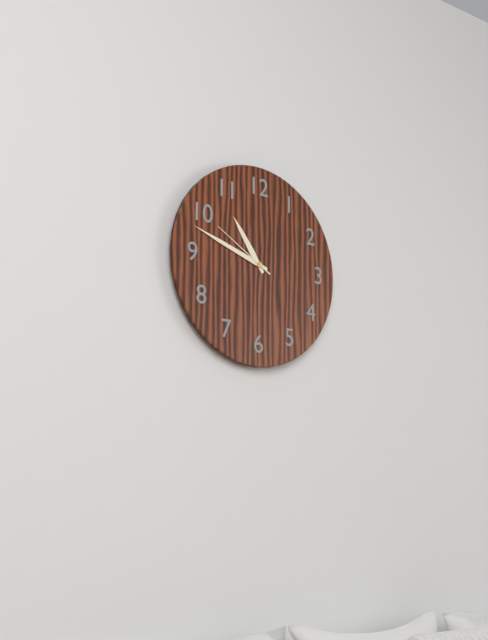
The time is 10h48m50s
